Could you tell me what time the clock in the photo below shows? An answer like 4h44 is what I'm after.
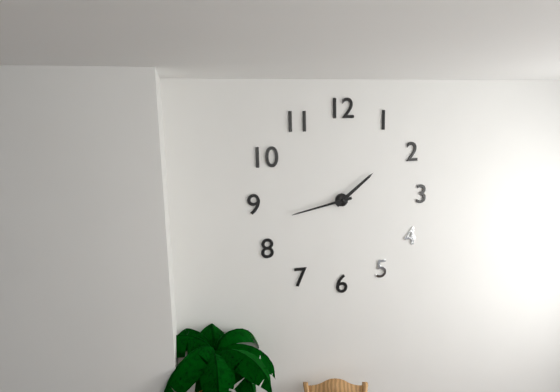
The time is 1h43
